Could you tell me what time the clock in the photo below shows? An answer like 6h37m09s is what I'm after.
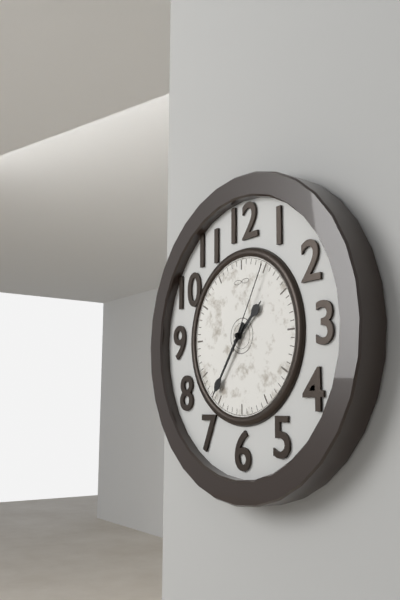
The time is 1h36m05s
